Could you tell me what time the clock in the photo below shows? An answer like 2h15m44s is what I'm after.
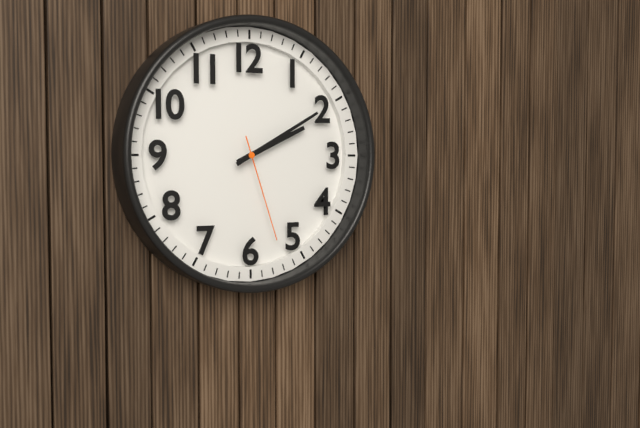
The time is 2h10m27s
